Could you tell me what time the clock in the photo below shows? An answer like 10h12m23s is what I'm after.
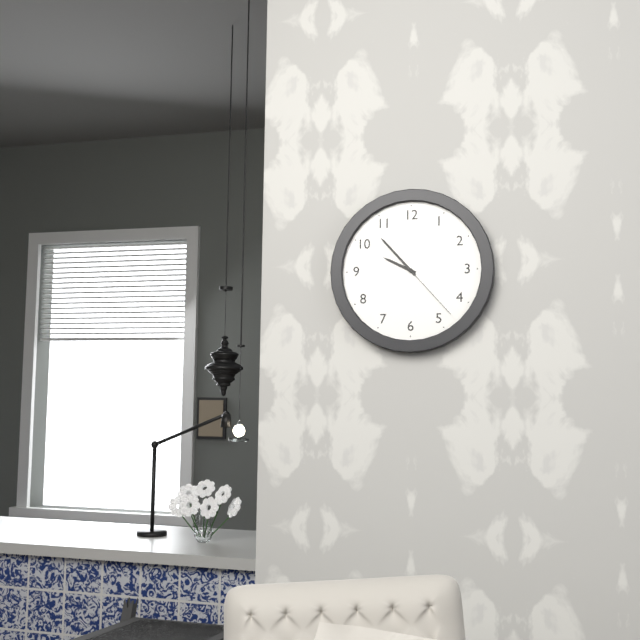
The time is 9h53m23s
